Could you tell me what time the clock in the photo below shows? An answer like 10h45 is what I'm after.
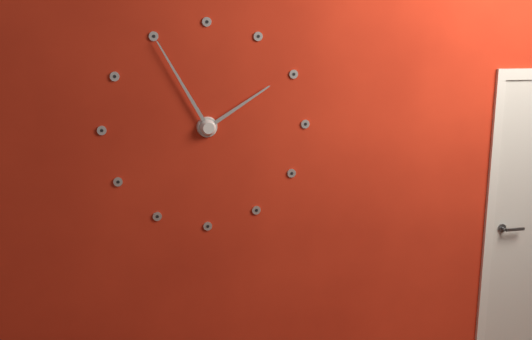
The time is 1h55
